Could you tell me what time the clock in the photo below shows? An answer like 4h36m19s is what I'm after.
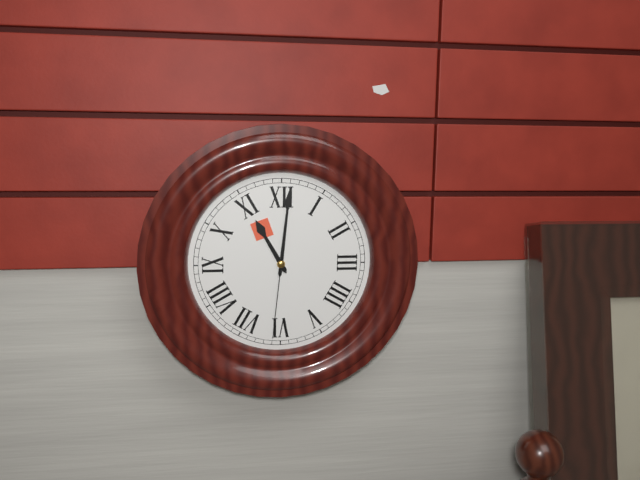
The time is 11h01m31s
